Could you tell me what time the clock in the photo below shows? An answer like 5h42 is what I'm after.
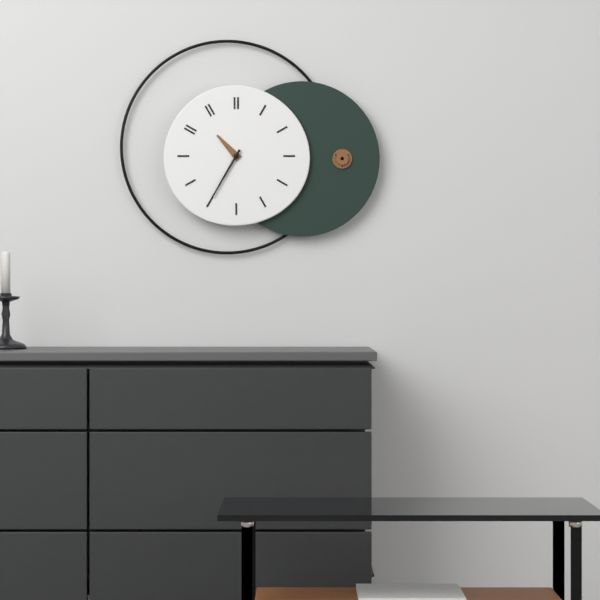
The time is 10h35
